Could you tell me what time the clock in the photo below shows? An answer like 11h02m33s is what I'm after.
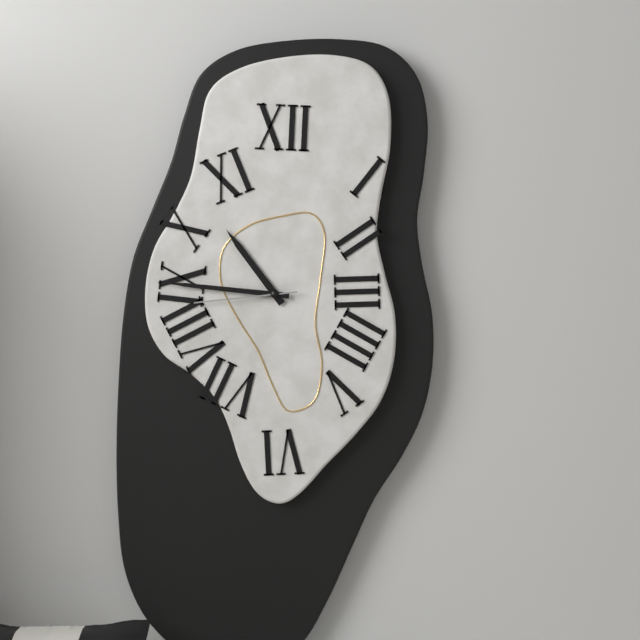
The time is 10h46m44s
